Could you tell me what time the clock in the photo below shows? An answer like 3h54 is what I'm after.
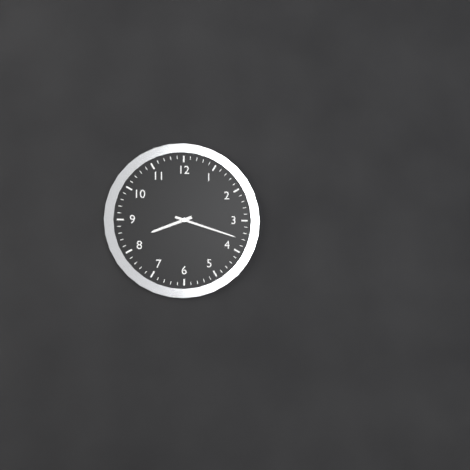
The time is 8h18
